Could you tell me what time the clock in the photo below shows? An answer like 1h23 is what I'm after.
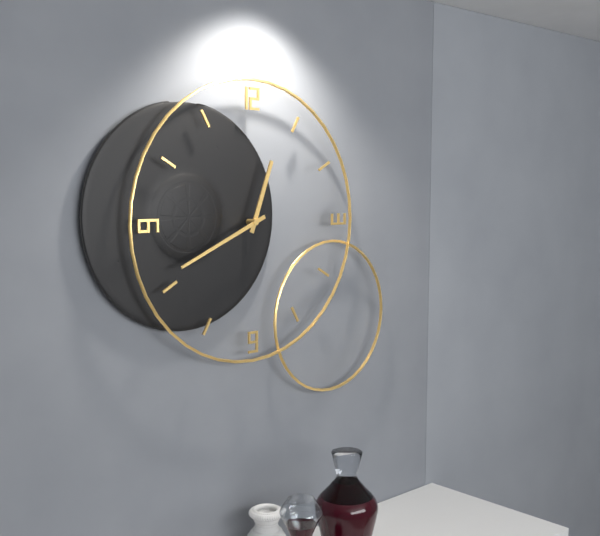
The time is 12h41
